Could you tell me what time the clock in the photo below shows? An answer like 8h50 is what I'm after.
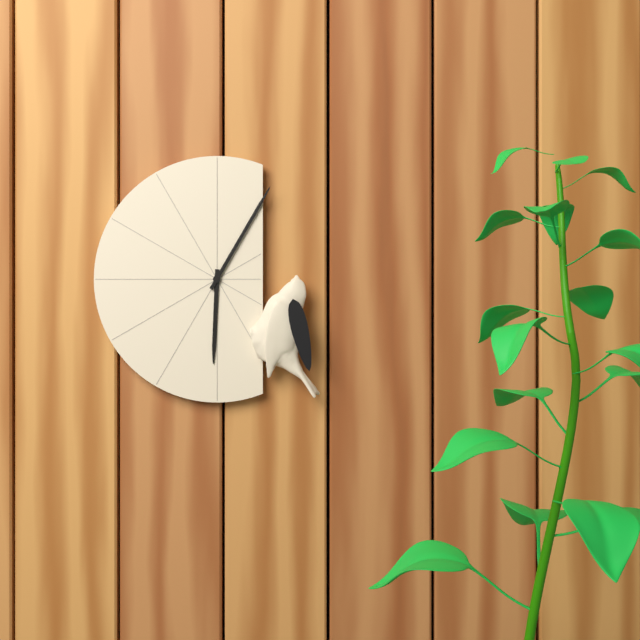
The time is 6h05
